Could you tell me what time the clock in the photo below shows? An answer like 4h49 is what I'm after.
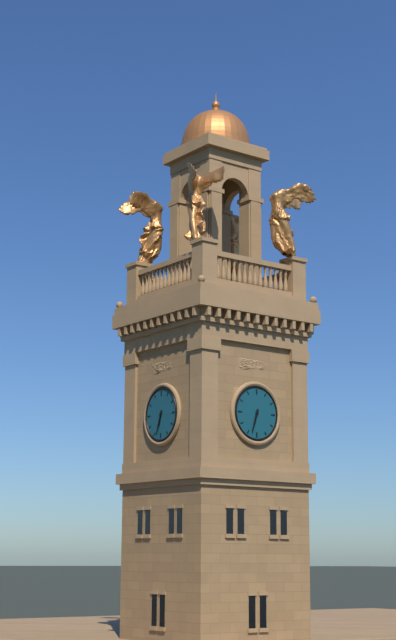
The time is 6h33
